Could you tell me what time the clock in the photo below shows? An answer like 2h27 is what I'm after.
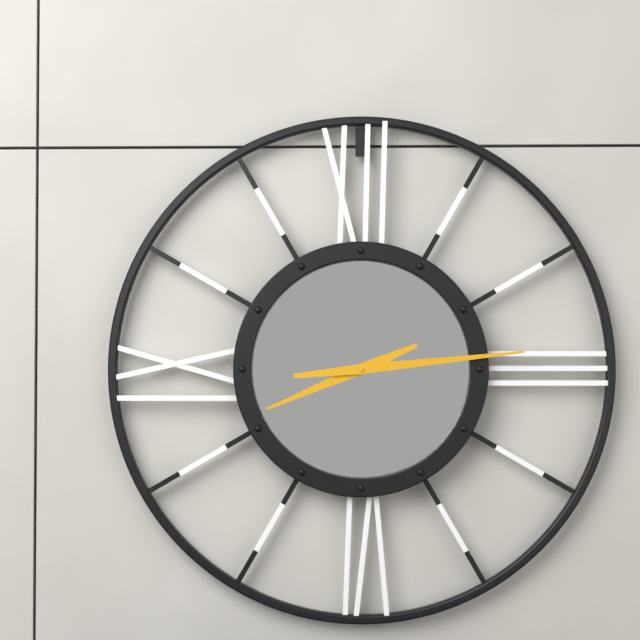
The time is 8h14
